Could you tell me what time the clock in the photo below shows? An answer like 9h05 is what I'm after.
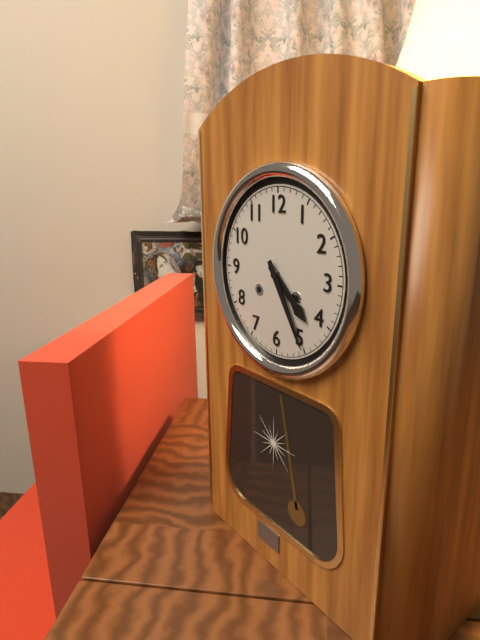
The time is 4h25
